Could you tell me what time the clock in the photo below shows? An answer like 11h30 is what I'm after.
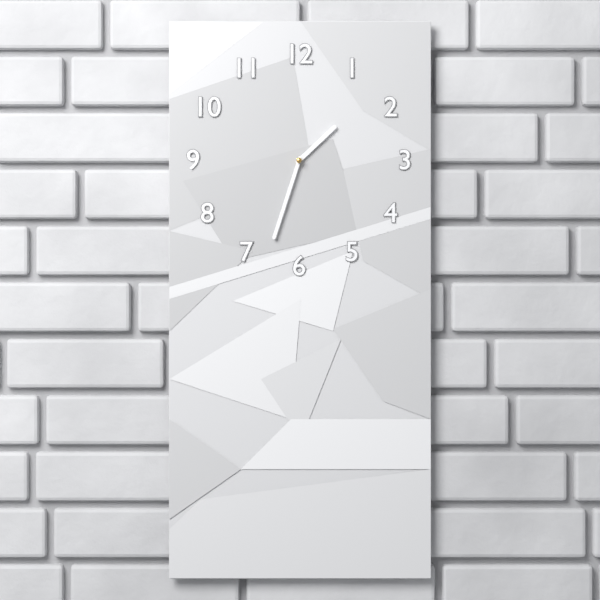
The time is 1h33
